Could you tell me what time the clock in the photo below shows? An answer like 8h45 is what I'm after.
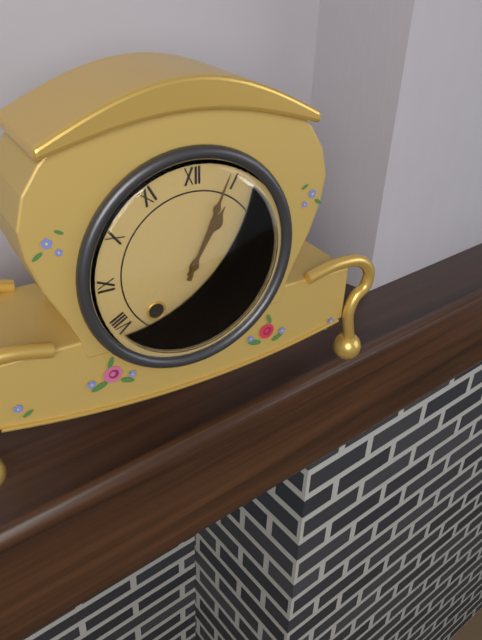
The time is 1h04
